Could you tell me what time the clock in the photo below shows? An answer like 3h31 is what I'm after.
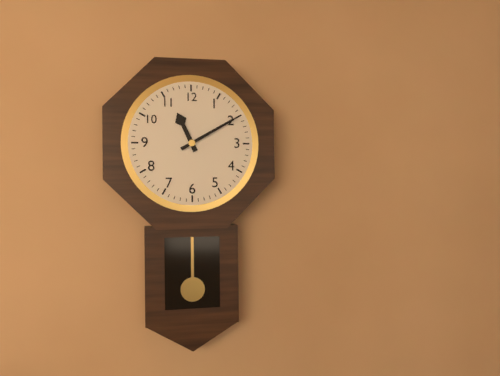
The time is 11h10
